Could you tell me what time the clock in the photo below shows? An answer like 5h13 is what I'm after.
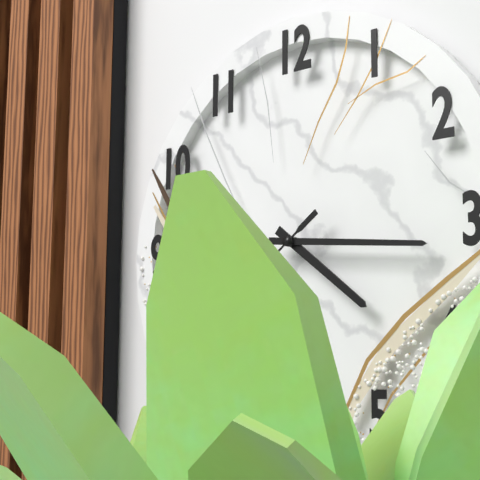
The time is 4h16
